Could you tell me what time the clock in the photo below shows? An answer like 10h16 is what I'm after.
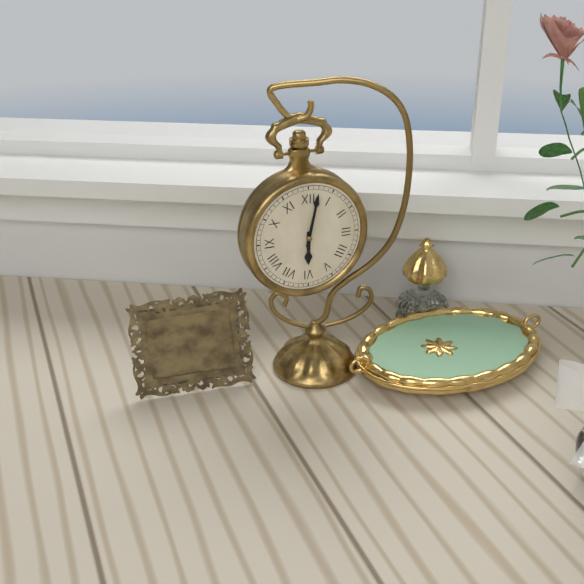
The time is 6h02
